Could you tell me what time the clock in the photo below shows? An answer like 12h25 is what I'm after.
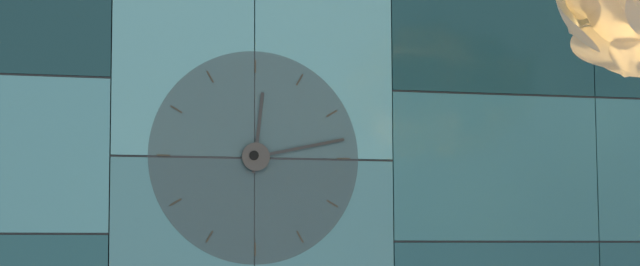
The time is 12h13
